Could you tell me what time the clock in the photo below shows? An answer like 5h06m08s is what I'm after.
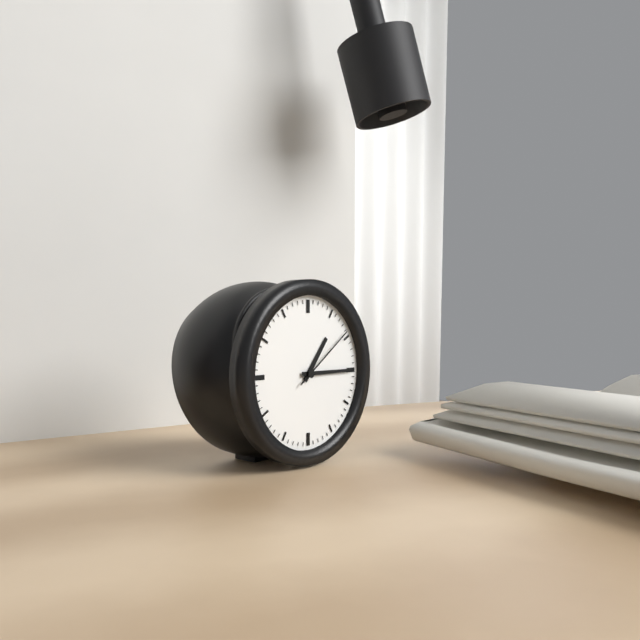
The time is 1h15m09s
